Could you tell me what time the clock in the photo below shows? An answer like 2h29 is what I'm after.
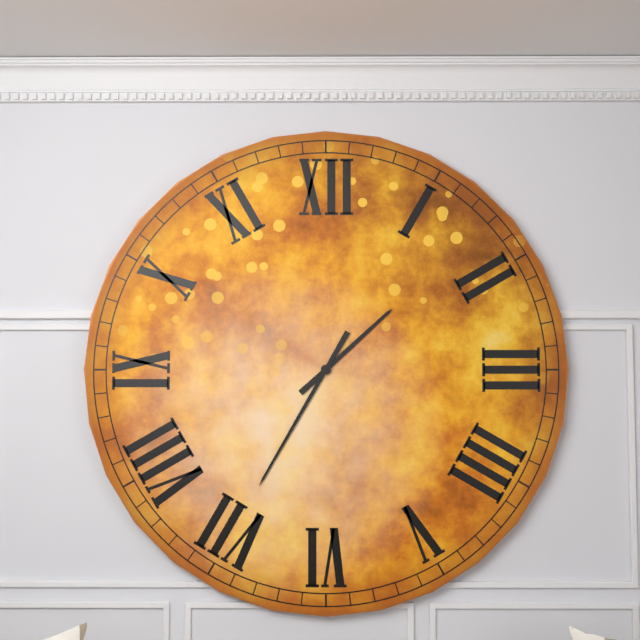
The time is 1h35
